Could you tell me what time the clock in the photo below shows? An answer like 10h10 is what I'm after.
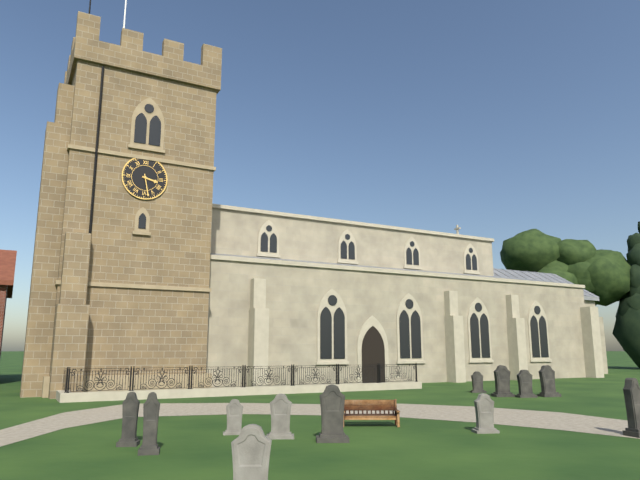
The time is 3h28
